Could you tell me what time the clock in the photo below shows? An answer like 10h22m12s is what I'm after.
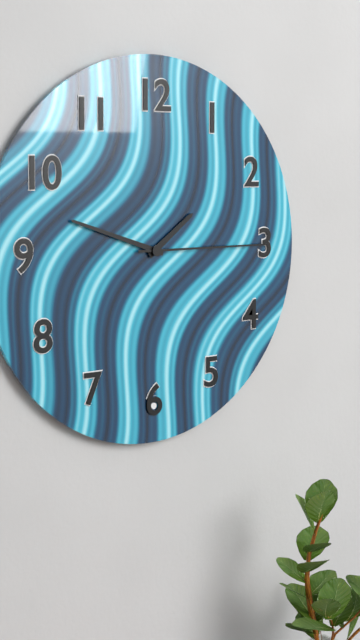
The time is 1h48m15s
